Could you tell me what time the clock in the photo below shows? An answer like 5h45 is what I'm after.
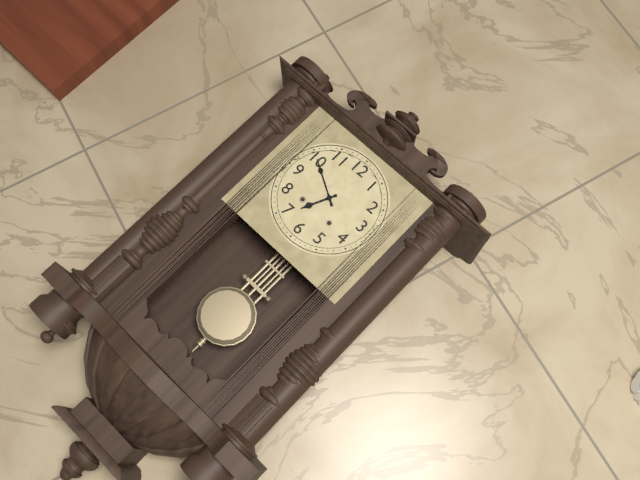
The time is 6h50
